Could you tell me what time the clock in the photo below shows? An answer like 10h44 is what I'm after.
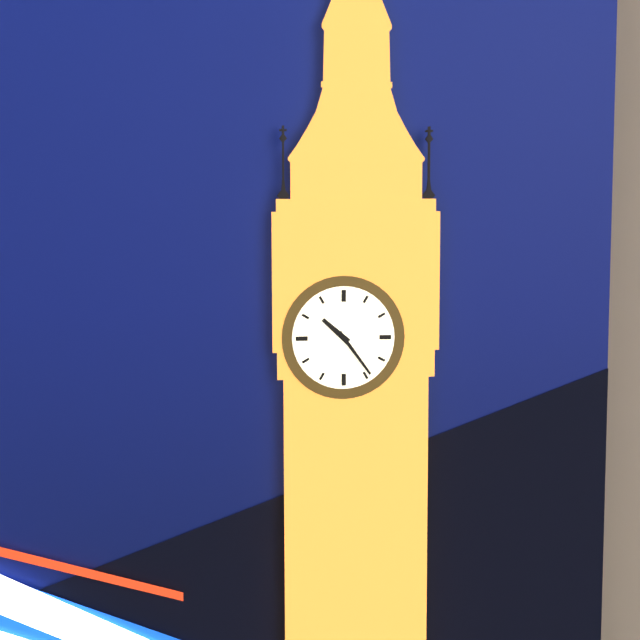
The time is 10h24
